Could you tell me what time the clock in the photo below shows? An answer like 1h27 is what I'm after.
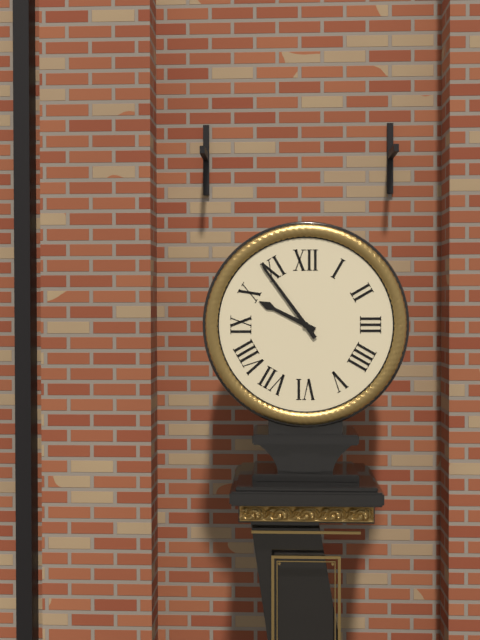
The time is 9h54
